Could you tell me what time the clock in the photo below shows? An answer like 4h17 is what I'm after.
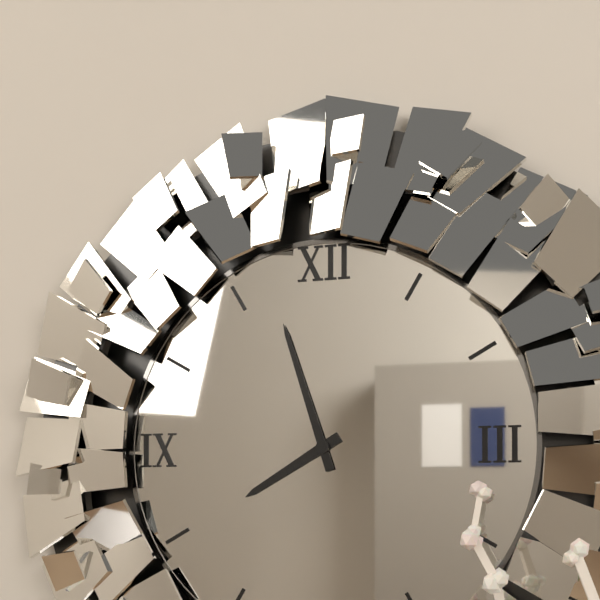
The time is 7h57
